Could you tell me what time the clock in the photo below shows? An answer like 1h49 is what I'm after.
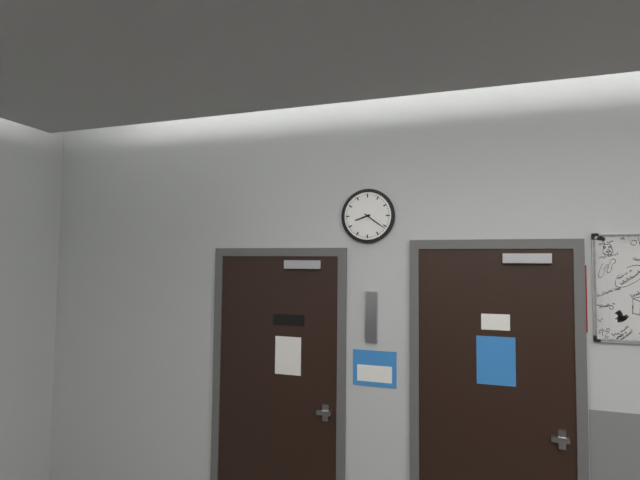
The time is 8h21
